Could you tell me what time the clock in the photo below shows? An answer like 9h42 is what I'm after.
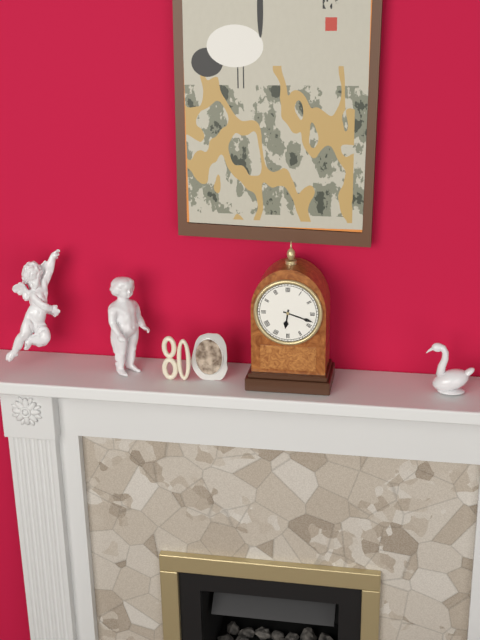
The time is 6h18
